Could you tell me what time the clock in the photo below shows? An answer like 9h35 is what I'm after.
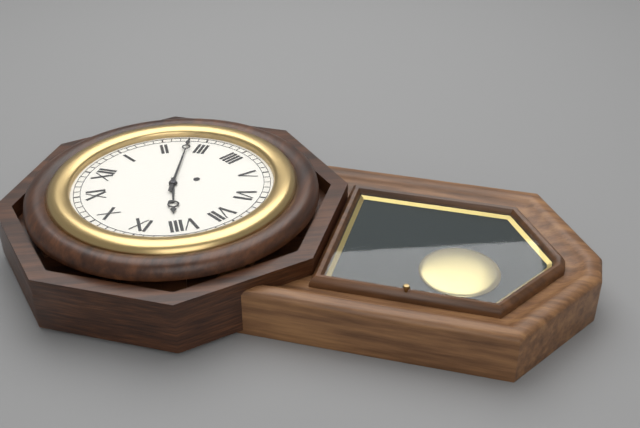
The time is 8h13
